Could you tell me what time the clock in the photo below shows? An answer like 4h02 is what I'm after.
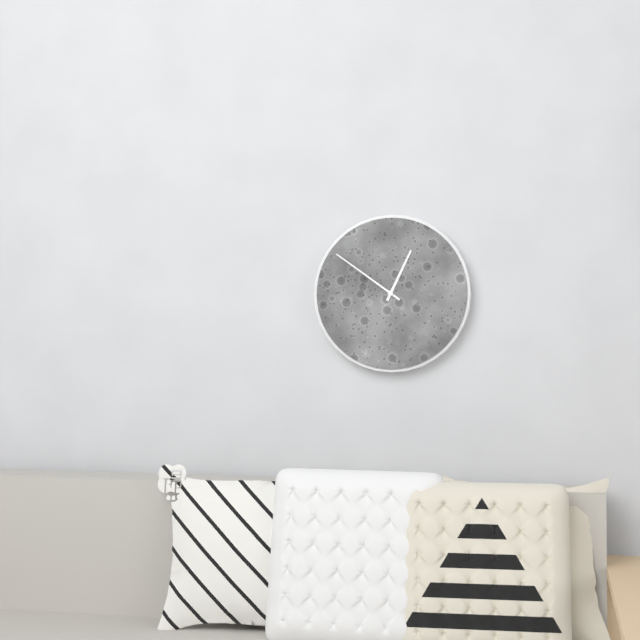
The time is 12h51
